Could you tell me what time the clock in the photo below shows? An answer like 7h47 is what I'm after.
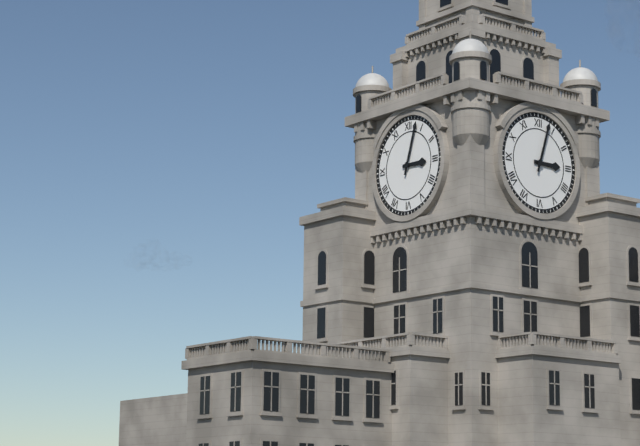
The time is 3h03
